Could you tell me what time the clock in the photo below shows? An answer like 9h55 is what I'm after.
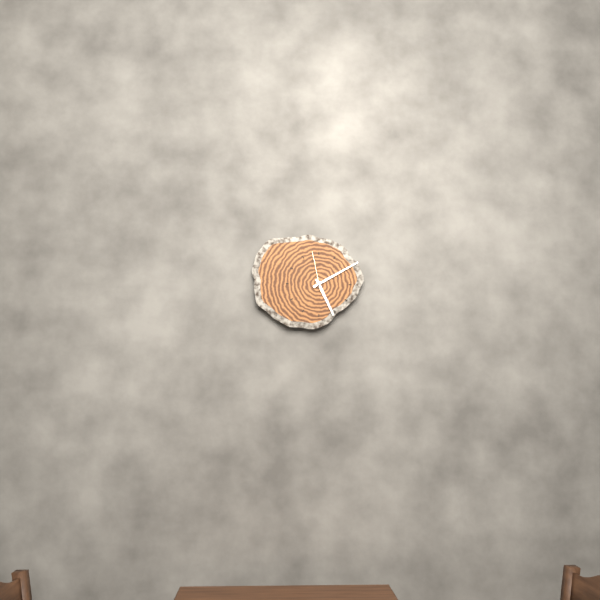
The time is 5h10
